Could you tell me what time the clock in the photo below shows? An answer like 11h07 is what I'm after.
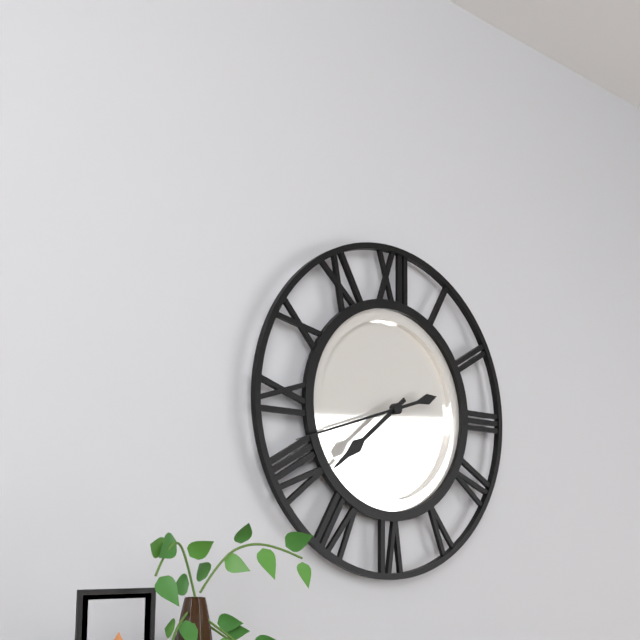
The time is 7h42
